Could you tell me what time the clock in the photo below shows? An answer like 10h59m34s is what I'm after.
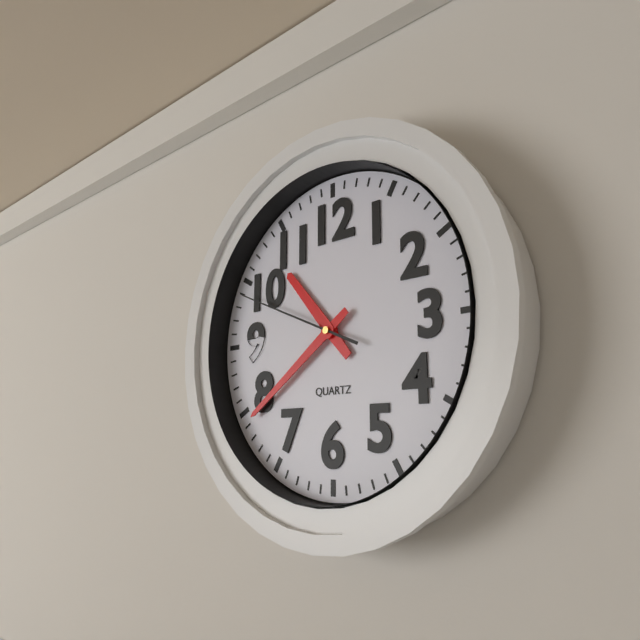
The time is 10h39m49s
